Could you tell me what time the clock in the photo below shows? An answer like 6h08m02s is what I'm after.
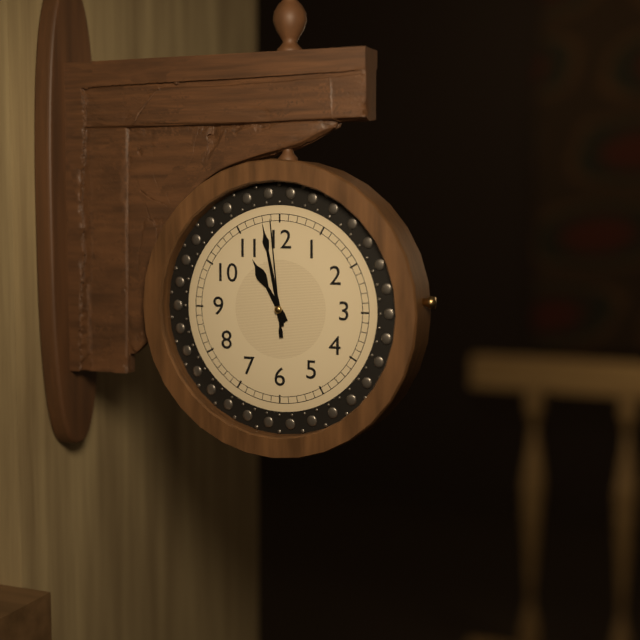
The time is 10h58m59s
